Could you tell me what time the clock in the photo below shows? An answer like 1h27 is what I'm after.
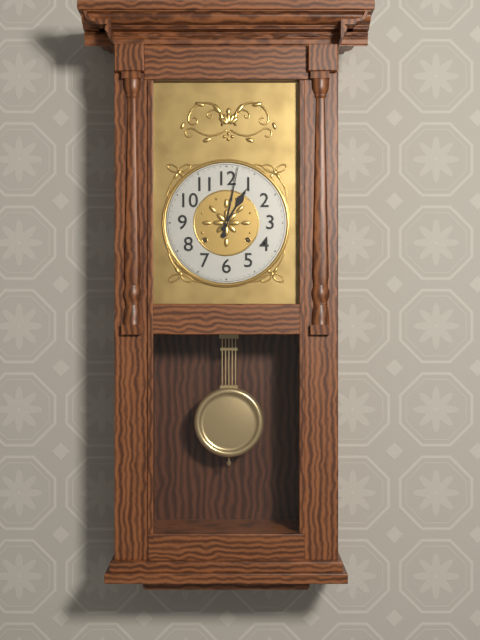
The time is 1h02
